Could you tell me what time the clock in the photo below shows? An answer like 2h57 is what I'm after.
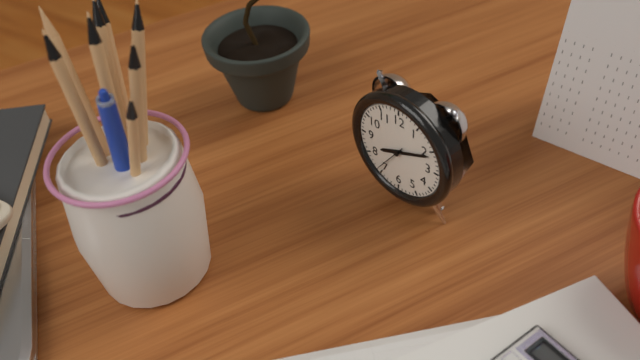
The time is 8h11
